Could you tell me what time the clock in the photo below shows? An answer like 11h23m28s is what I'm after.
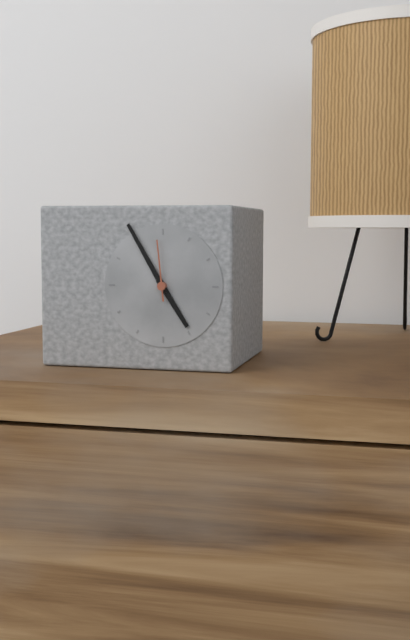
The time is 4h55m59s
